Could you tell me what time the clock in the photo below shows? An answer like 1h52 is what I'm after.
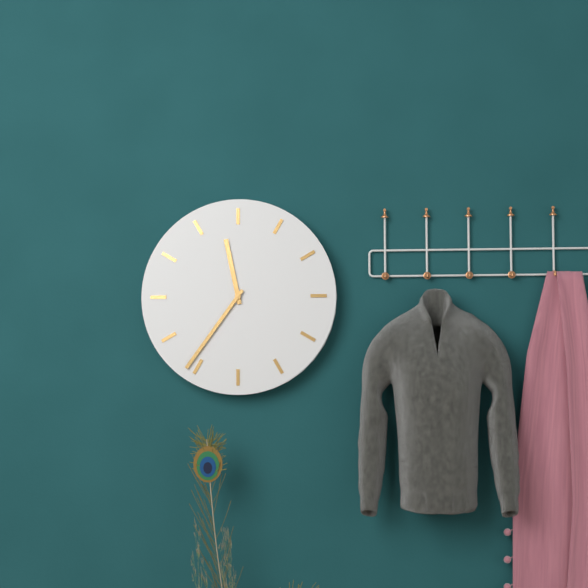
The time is 11h36
